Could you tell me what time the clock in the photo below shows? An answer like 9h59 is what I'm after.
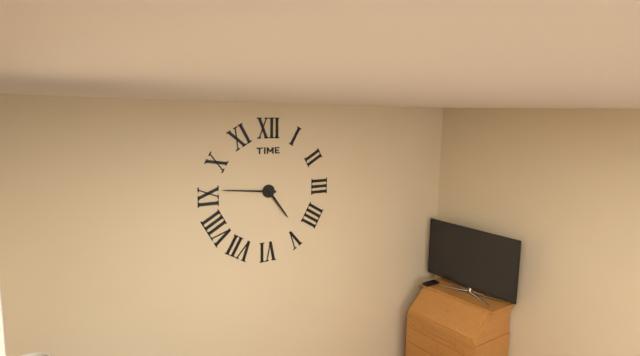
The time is 4h46
